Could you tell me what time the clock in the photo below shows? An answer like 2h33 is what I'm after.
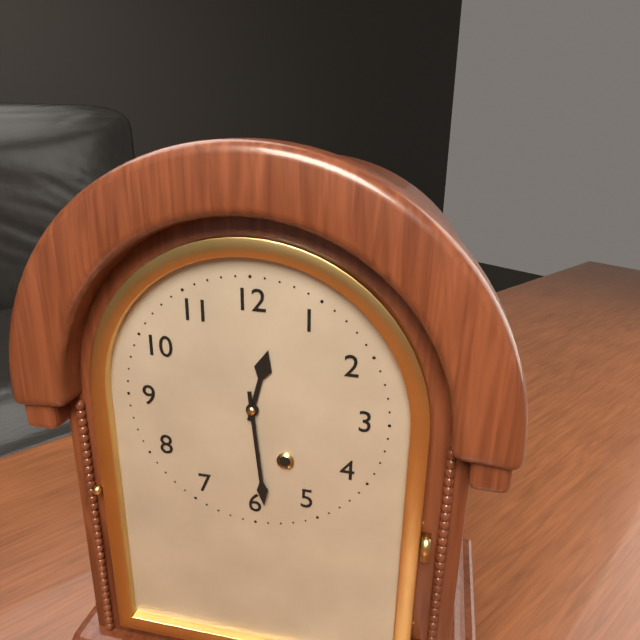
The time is 12h29
